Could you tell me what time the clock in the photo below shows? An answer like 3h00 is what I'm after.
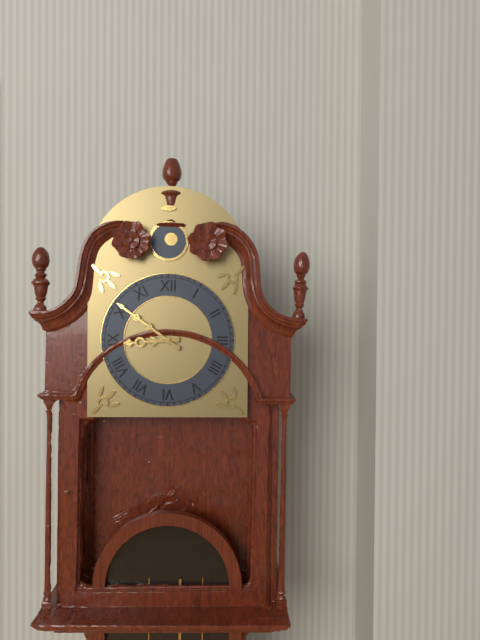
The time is 8h51
